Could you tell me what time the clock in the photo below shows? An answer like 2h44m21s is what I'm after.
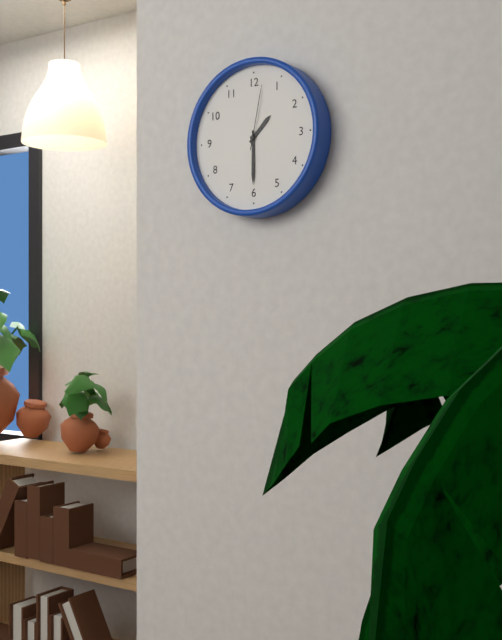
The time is 1h30m02s
